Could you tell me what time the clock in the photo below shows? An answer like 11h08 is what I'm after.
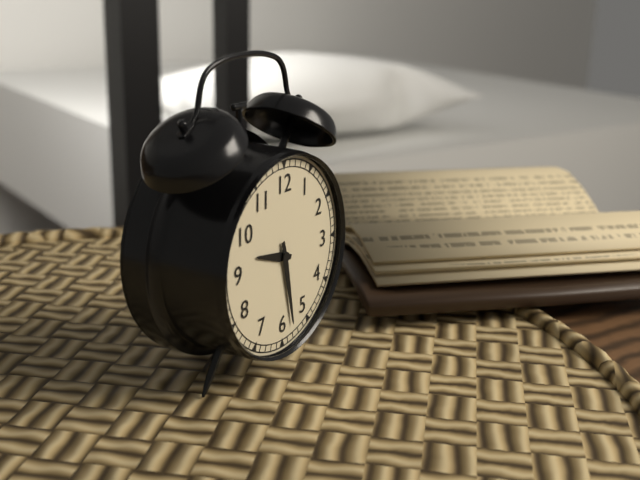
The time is 9h28
